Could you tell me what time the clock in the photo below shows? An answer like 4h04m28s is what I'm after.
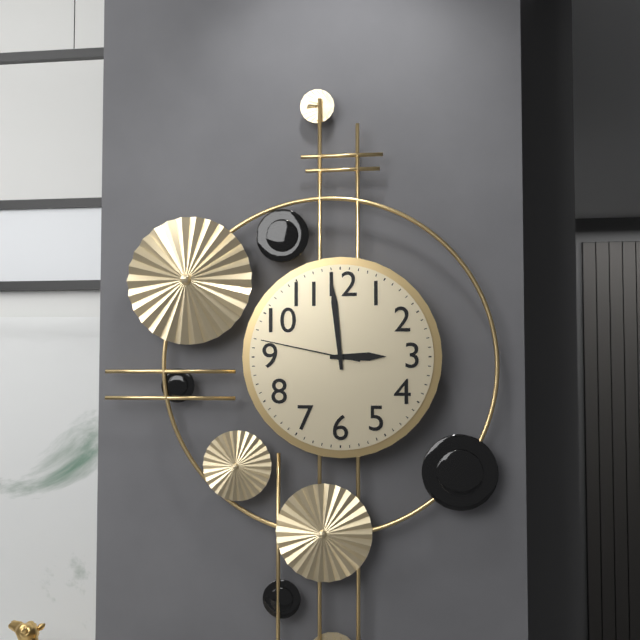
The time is 2h59m47s
